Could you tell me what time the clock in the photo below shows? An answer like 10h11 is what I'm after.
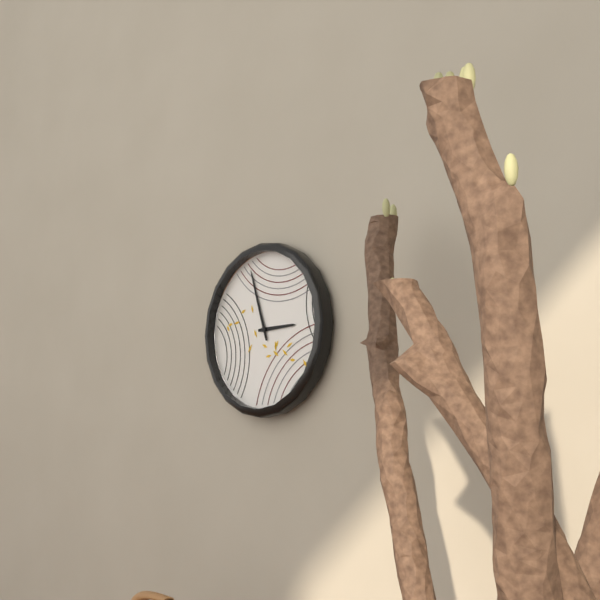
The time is 2h57
